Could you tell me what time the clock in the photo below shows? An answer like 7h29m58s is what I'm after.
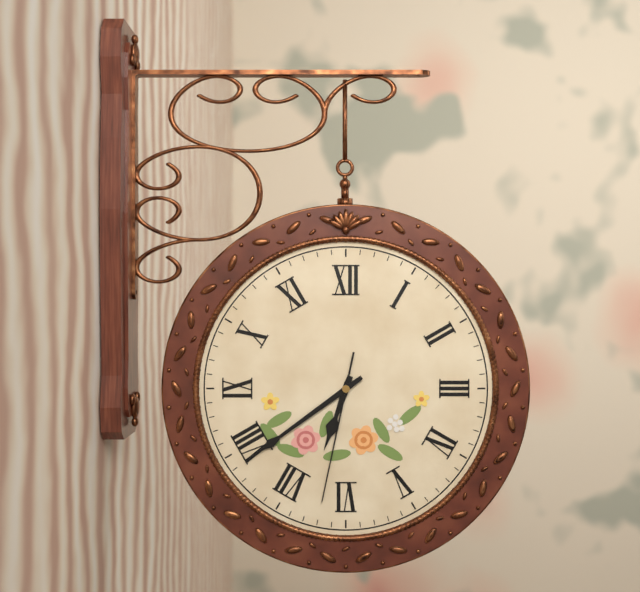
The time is 6h39m32s
